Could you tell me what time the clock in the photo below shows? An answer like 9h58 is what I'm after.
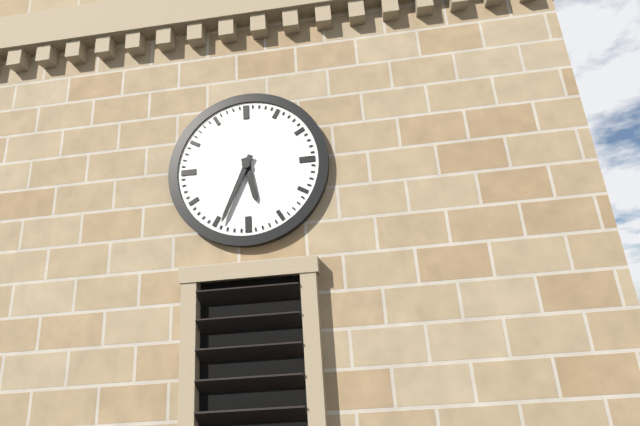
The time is 5h34
